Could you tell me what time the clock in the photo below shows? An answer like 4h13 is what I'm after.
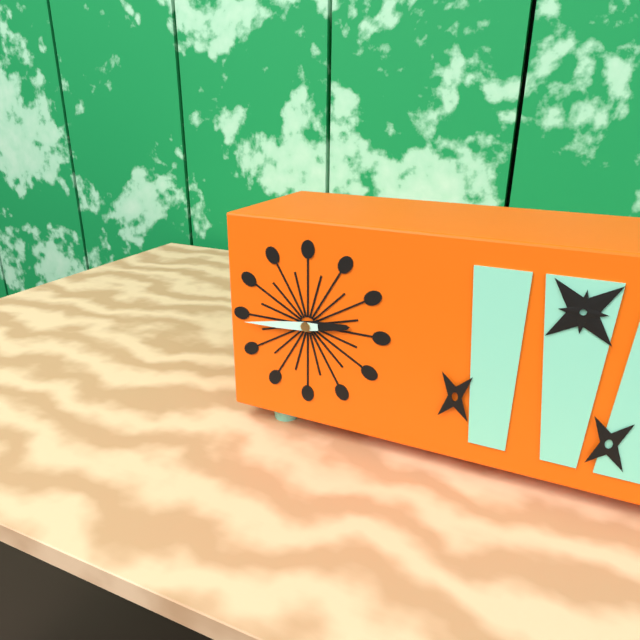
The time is 2h44
